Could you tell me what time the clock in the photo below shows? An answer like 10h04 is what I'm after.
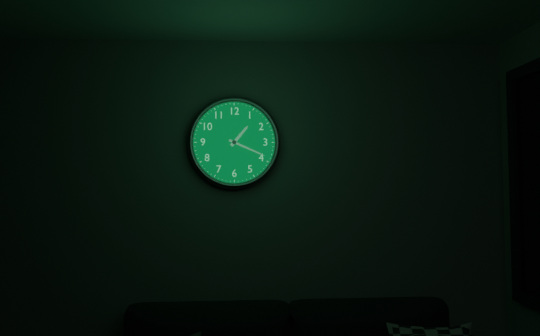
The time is 1h19
